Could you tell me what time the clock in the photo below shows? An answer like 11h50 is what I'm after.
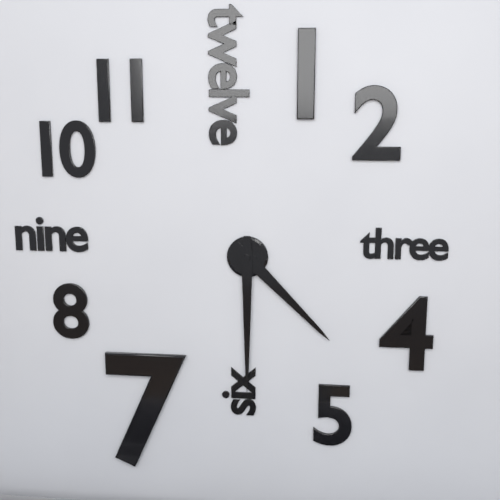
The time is 4h30
